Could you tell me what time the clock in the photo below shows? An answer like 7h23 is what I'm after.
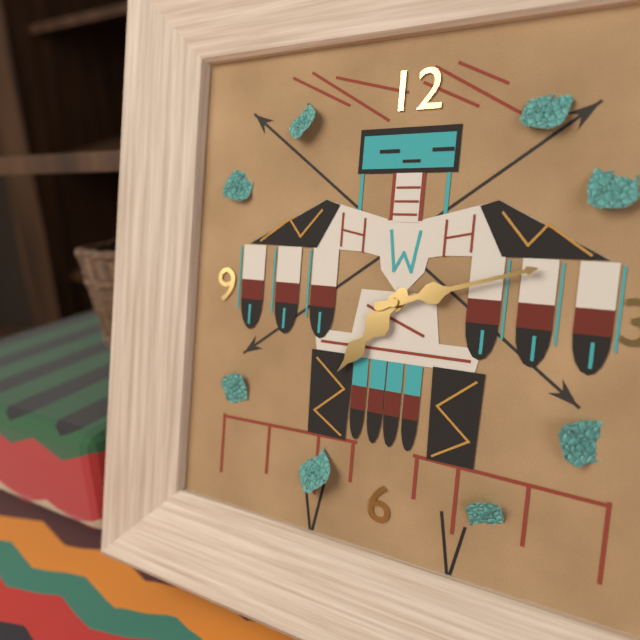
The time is 7h12
